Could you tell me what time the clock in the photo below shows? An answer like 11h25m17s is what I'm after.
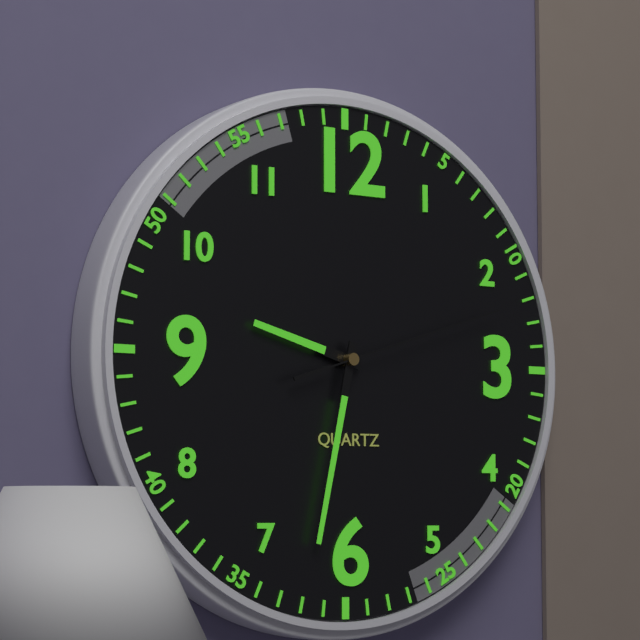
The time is 9h32m12s
